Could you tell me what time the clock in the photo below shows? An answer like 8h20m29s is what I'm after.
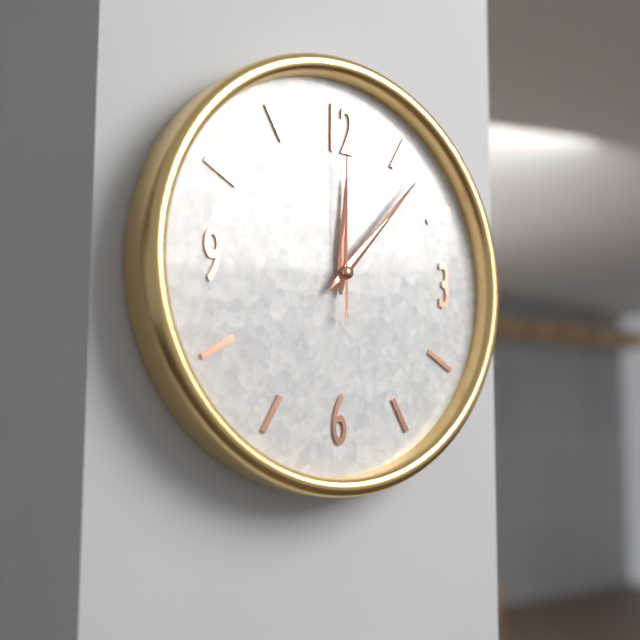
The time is 12h07m00s
